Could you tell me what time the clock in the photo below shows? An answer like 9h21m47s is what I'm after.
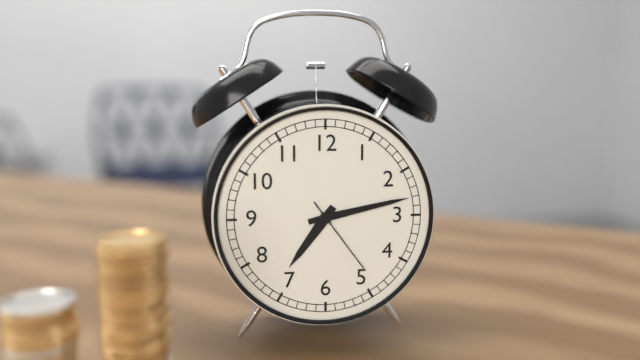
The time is 7h13m24s
